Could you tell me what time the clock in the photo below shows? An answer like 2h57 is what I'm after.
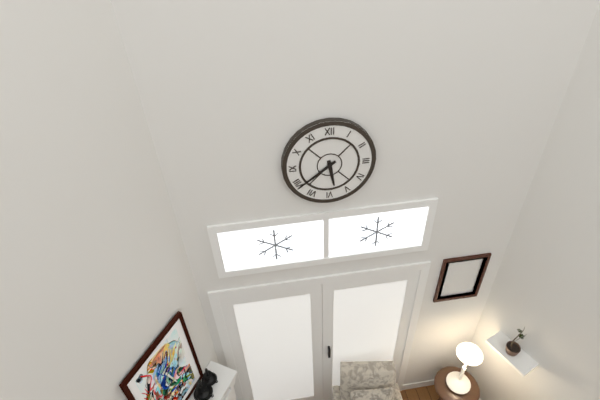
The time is 5h39
